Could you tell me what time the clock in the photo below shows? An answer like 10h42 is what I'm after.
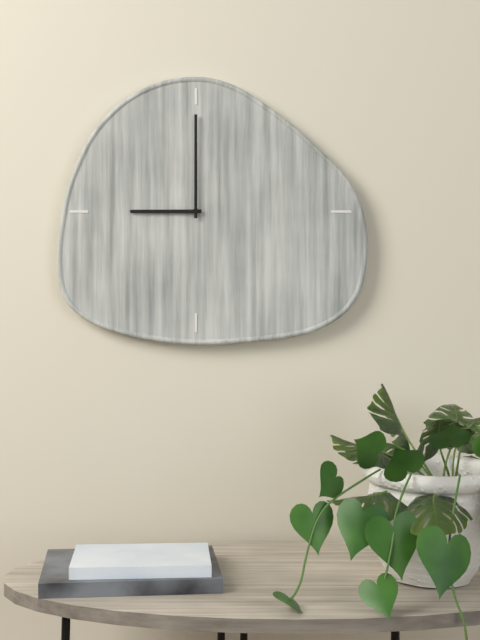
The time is 9h00
